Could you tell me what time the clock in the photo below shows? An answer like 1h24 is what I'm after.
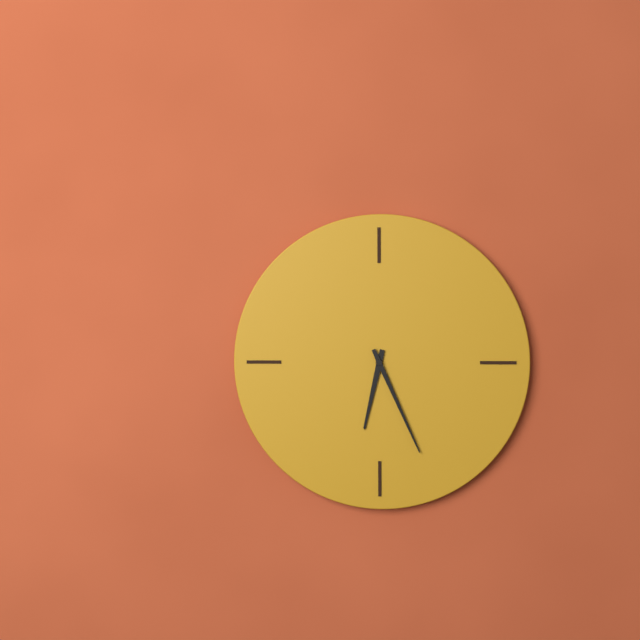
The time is 6h26
